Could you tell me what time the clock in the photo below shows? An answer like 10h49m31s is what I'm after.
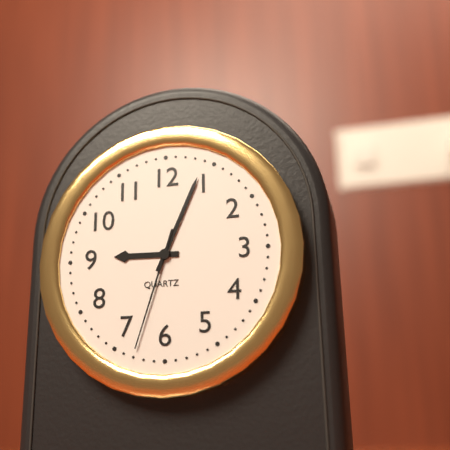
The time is 9h04m33s
